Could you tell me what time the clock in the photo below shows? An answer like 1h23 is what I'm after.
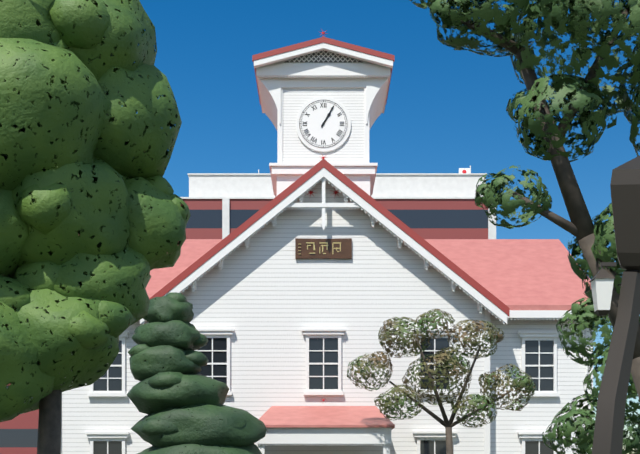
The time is 1h05
